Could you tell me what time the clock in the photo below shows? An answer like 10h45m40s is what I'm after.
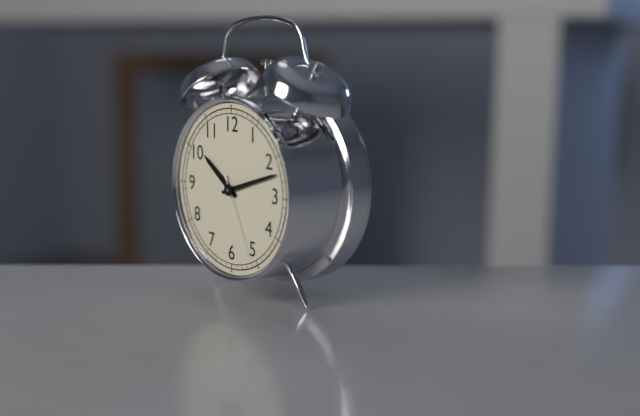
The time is 10h12m26s
